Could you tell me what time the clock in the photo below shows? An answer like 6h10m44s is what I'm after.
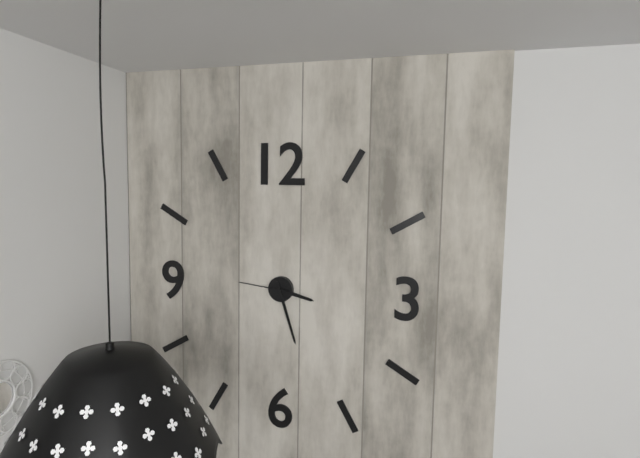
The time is 3h27m46s
